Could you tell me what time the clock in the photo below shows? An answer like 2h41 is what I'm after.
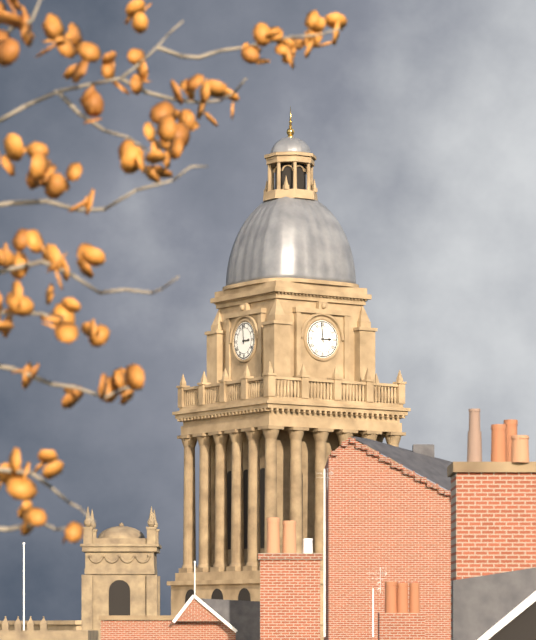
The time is 2h59
